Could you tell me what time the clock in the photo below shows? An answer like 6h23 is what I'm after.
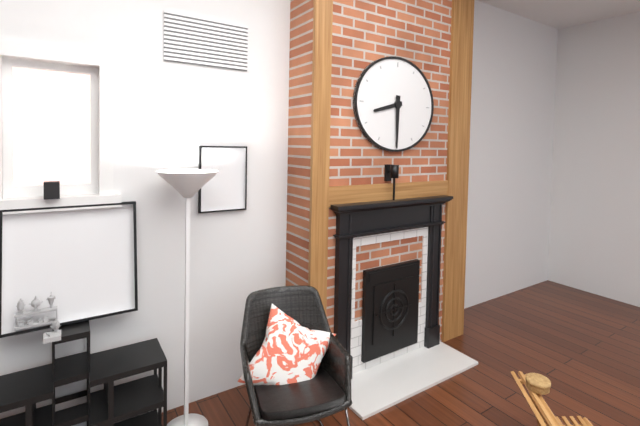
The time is 8h30
